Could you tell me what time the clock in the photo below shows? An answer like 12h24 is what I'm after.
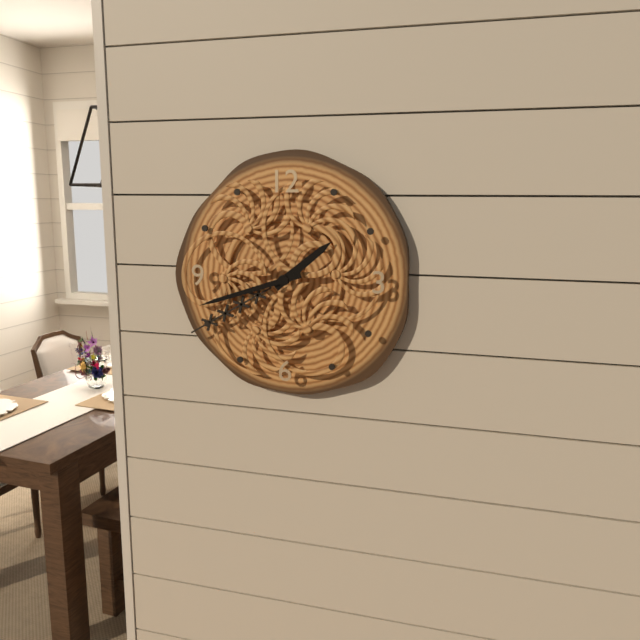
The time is 1h42
